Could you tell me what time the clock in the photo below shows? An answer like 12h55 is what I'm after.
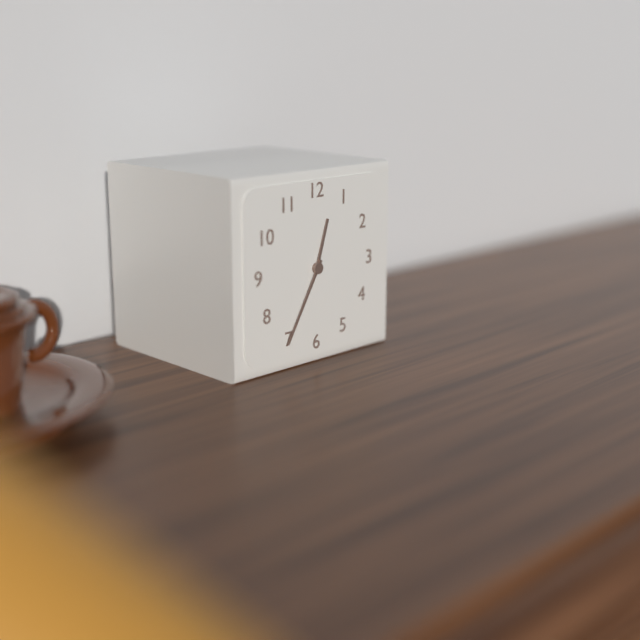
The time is 12h35
